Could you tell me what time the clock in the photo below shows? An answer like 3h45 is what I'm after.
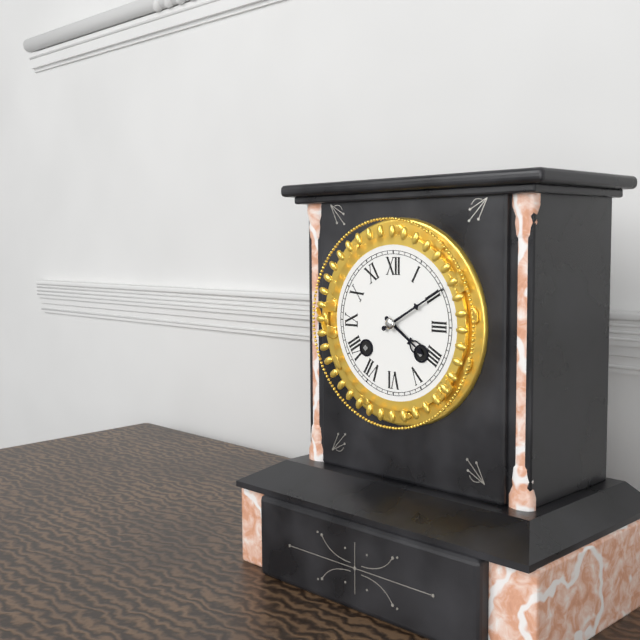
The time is 4h10
